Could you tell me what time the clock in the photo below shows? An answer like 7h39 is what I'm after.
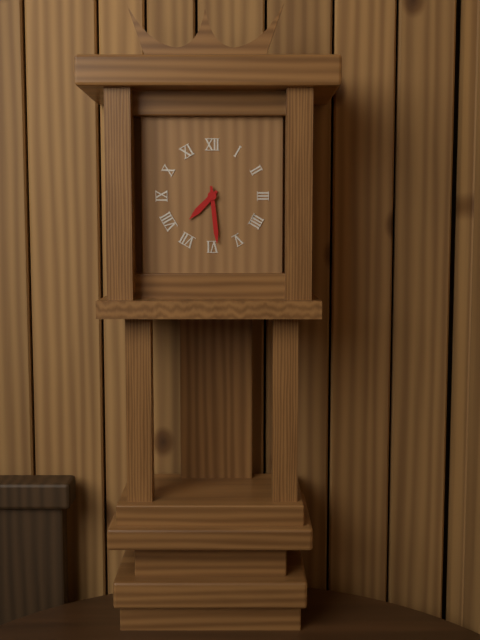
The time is 7h29
